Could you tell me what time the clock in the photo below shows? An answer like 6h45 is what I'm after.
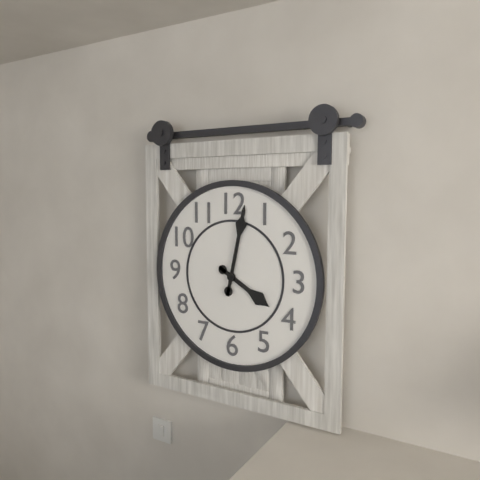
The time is 4h02
